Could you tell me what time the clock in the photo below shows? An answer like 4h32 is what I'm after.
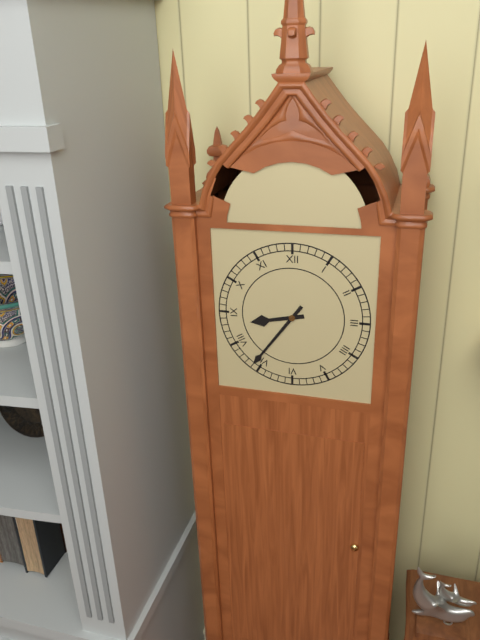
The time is 8h36
